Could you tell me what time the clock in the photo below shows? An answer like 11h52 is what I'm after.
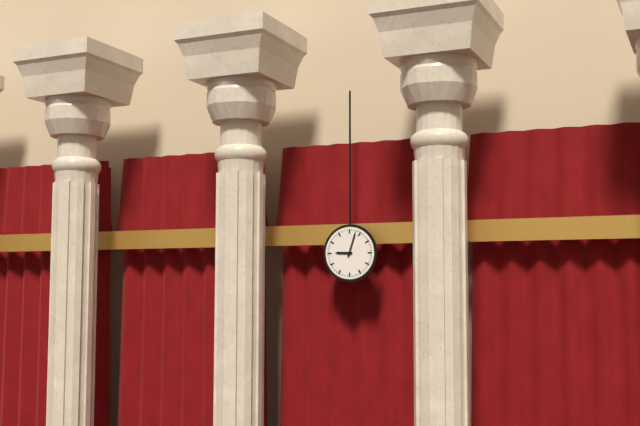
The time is 9h03
